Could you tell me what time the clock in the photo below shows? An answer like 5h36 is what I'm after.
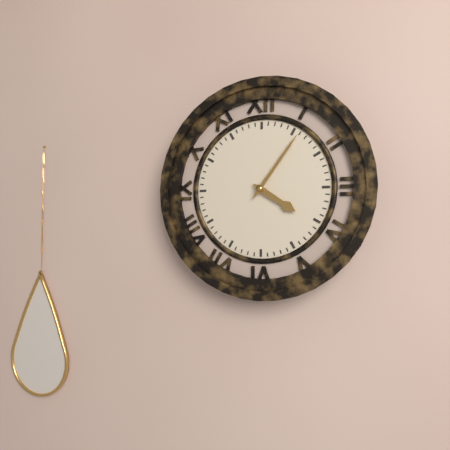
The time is 4h06
